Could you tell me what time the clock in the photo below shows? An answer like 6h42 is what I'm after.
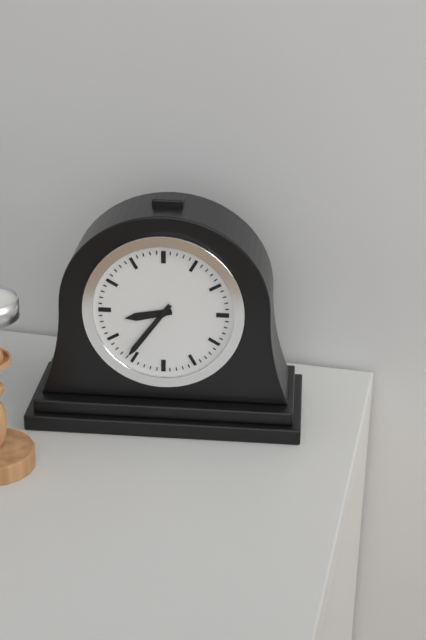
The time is 8h36
